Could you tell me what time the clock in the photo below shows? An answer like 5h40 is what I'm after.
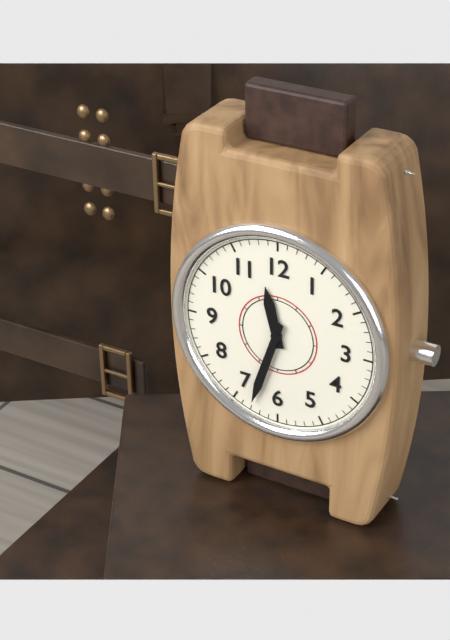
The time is 11h33
